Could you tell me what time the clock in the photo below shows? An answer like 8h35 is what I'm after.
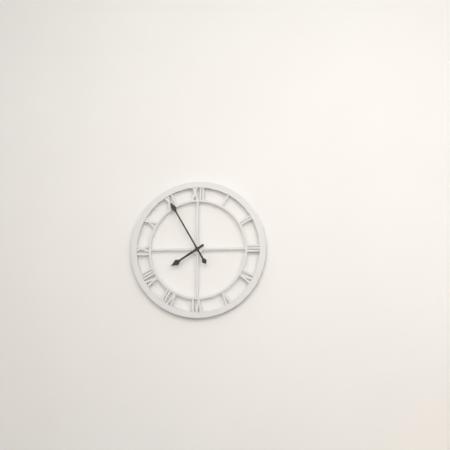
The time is 7h55
